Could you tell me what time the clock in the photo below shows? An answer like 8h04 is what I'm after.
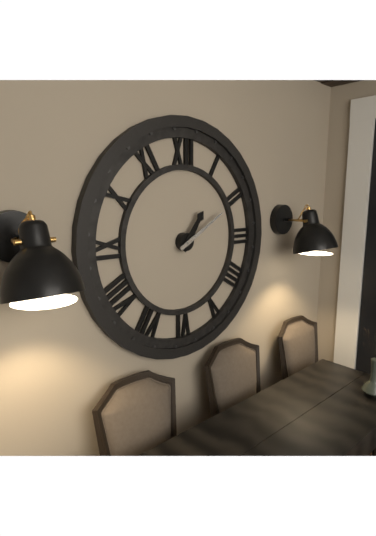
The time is 1h10
